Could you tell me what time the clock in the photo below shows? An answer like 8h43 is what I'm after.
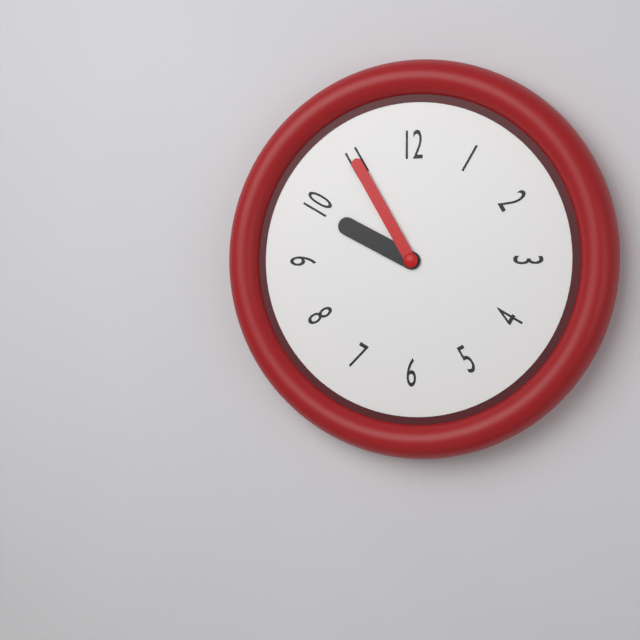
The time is 9h55
